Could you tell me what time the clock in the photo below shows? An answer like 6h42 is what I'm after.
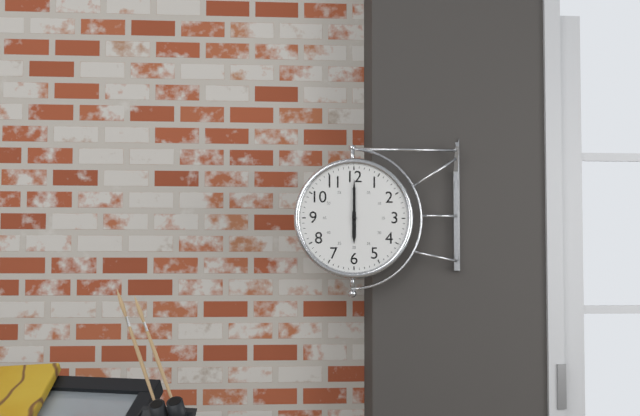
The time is 6h00
